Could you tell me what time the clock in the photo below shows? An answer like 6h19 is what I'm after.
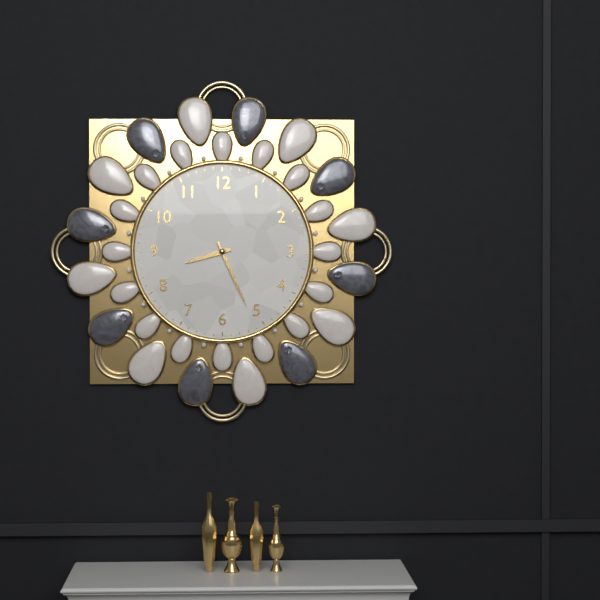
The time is 8h26
